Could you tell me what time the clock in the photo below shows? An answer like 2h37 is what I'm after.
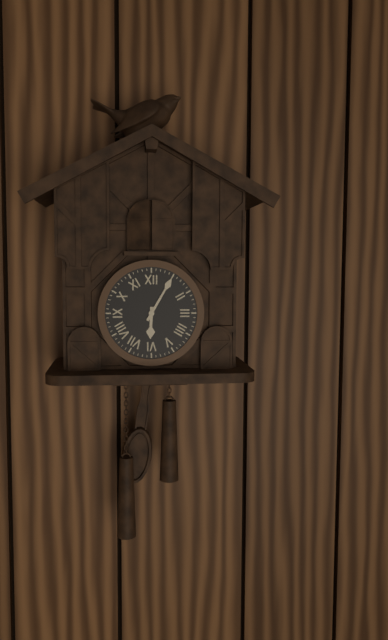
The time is 6h05
